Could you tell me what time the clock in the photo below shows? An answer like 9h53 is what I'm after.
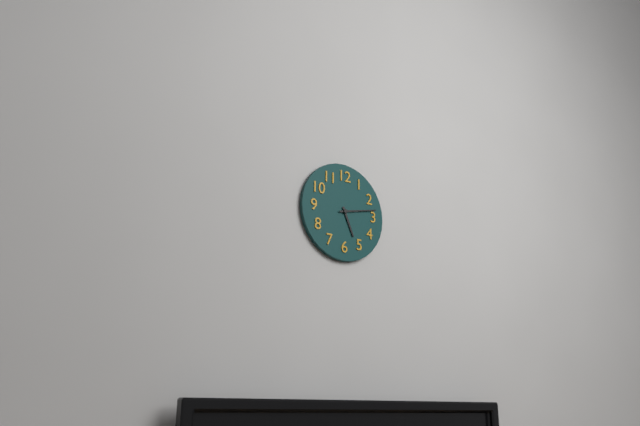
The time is 5h13
